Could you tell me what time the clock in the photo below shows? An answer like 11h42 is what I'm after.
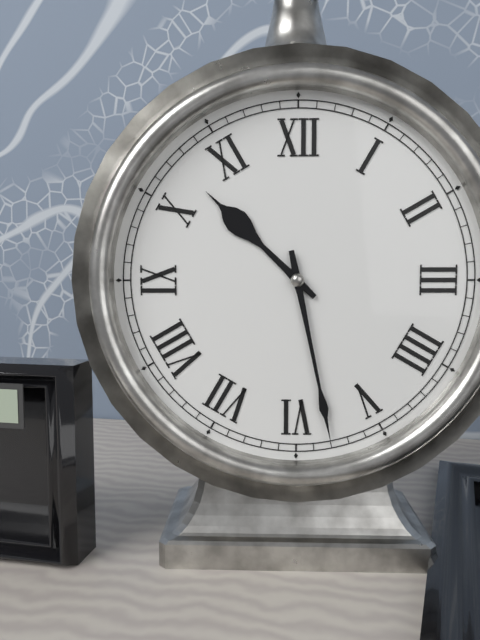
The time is 10h28
